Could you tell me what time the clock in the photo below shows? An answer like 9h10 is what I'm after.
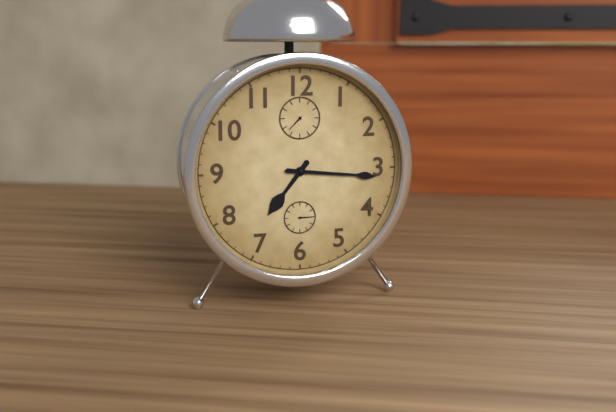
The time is 7h16
